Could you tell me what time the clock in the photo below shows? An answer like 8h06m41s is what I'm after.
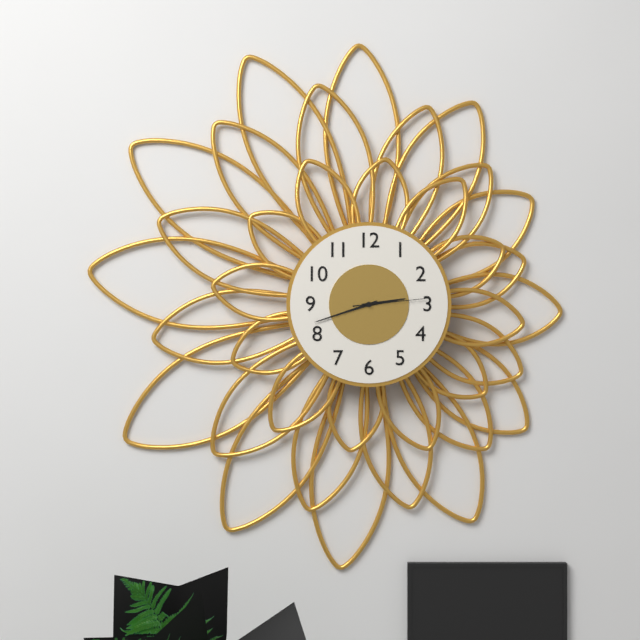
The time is 2h42m14s
